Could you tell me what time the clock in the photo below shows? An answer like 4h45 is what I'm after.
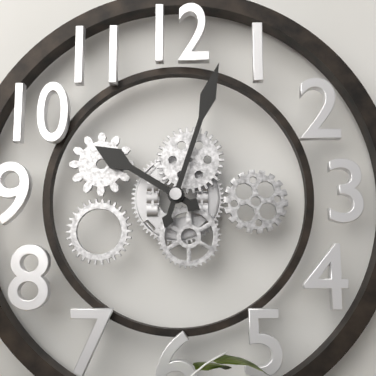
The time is 10h03
